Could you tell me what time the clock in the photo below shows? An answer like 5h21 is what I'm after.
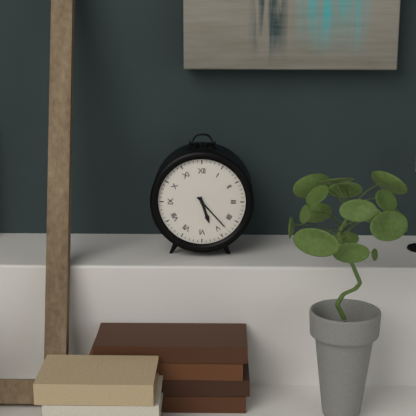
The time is 5h23
